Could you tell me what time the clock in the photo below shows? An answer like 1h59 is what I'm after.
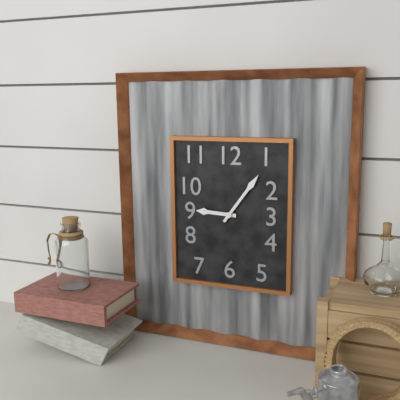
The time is 9h06
